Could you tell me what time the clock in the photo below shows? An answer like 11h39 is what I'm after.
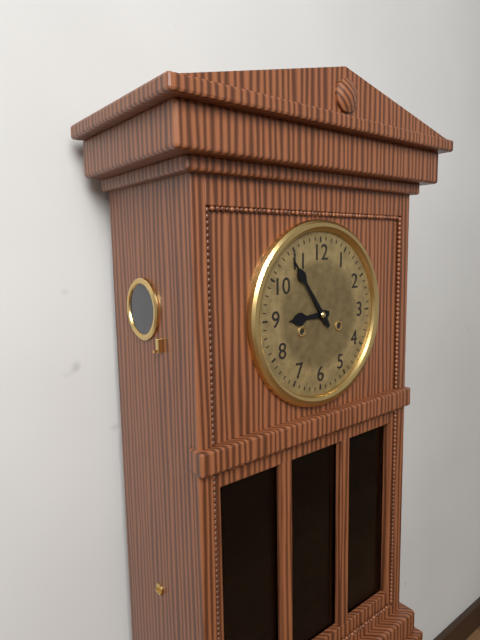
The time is 8h54
